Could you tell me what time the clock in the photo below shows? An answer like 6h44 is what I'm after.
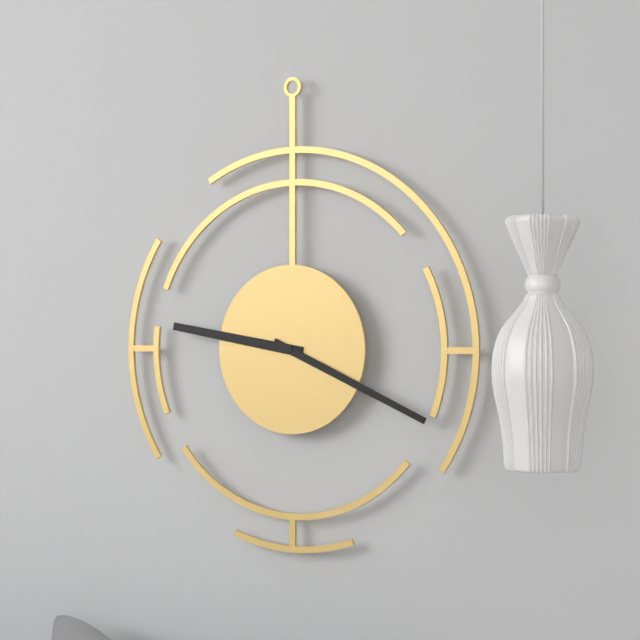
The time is 9h19
